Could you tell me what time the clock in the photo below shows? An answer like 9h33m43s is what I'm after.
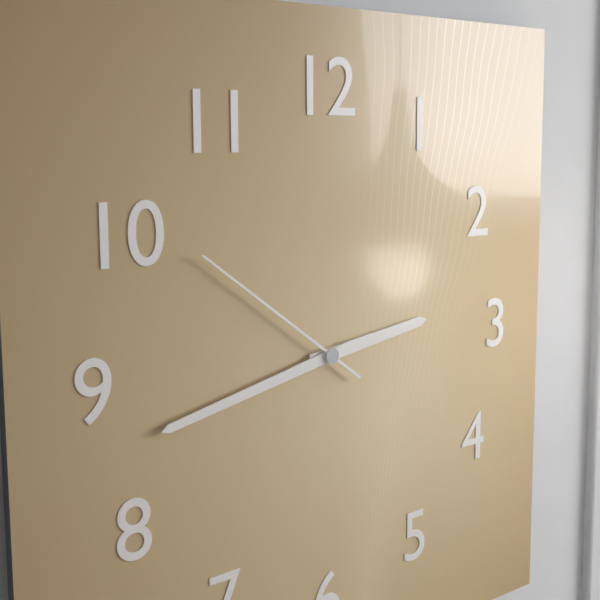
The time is 2h43m51s
